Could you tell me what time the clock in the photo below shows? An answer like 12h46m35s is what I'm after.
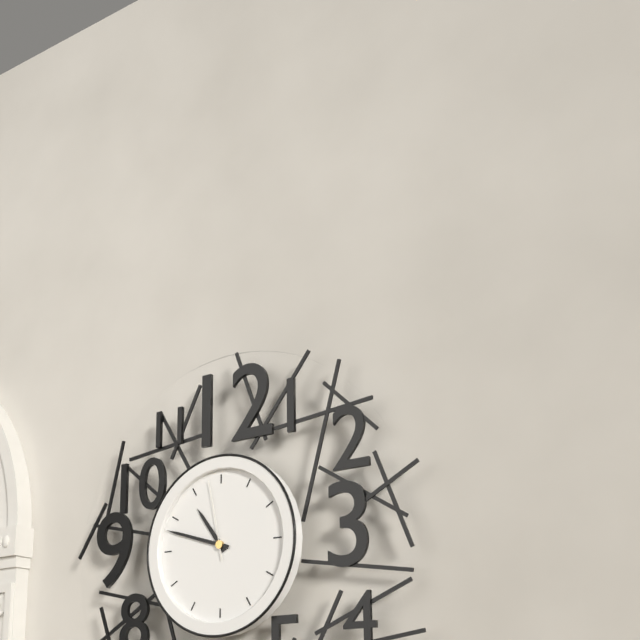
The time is 10h48m58s
